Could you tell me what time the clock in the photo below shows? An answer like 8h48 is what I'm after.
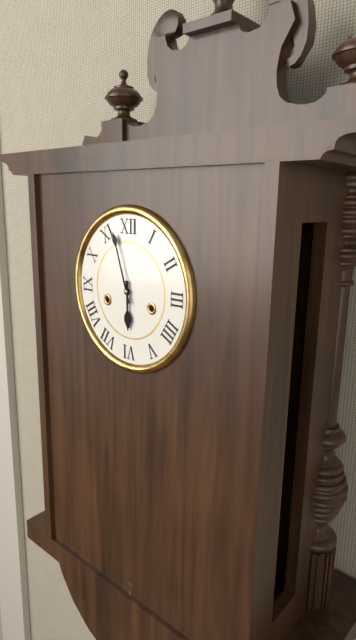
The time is 5h57
